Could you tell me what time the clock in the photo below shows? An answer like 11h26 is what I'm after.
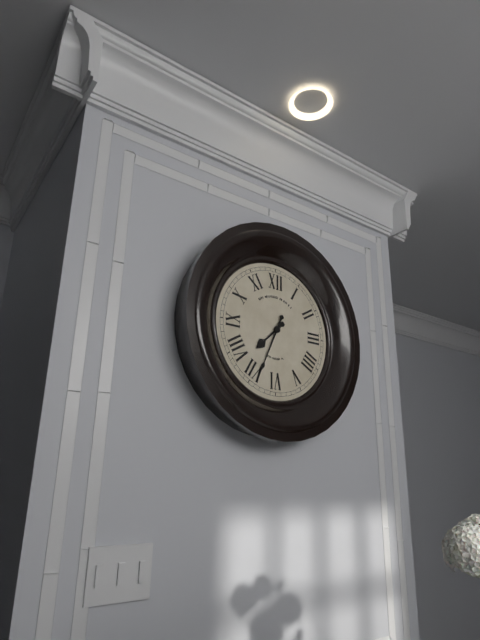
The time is 7h34
